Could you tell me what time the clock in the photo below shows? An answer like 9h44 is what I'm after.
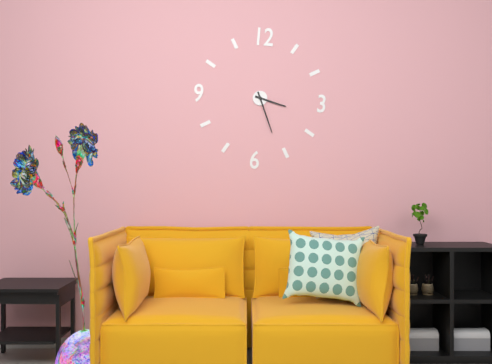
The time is 3h26
